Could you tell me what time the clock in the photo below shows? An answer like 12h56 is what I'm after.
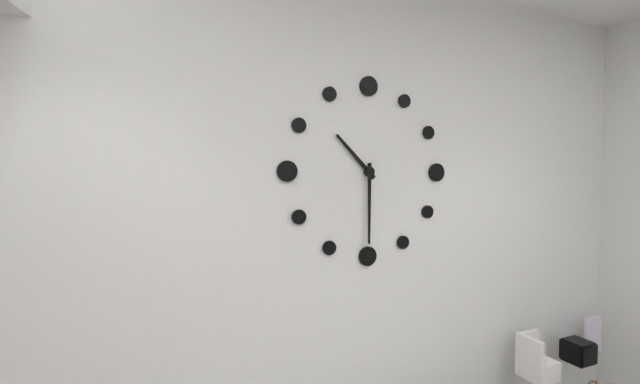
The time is 10h30
